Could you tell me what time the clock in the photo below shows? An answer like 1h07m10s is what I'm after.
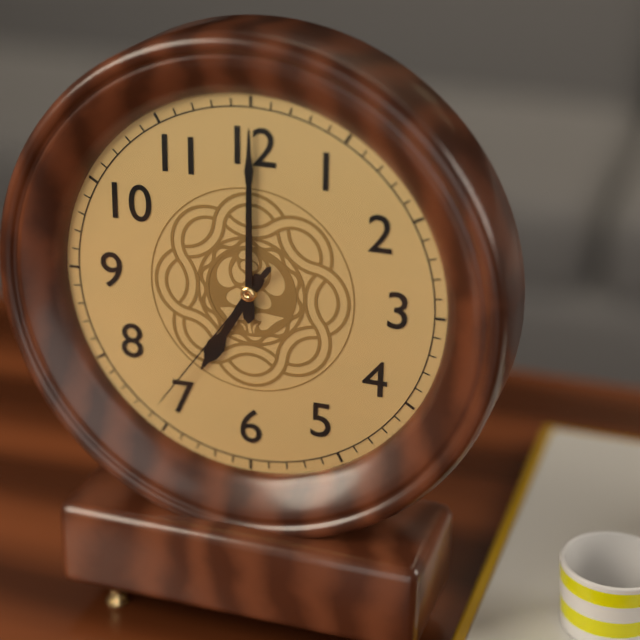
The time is 7h00m36s
